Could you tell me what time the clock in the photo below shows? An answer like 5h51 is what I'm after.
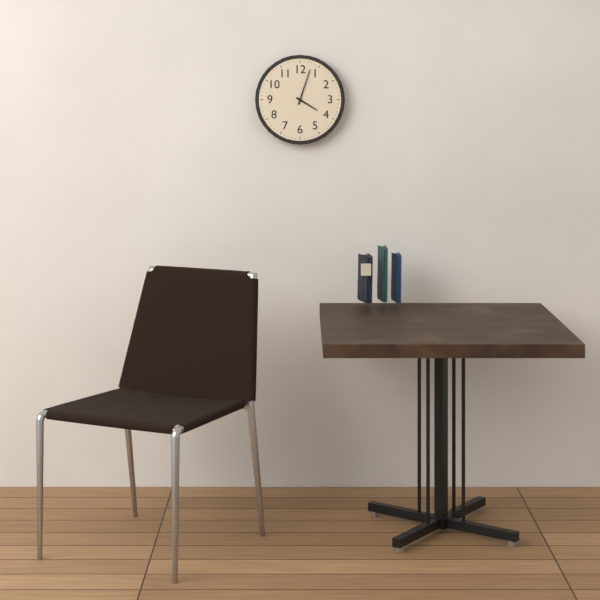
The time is 4h03
